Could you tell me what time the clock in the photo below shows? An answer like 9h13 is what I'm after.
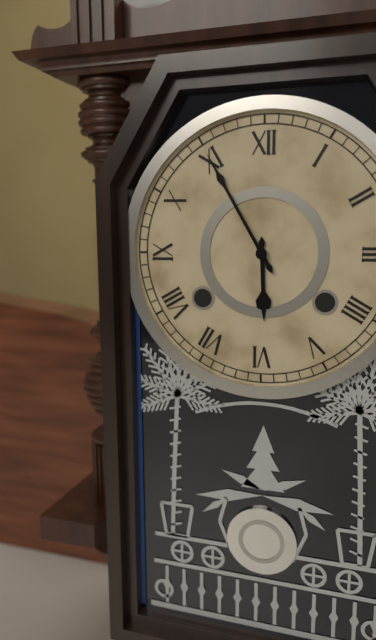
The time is 5h55
